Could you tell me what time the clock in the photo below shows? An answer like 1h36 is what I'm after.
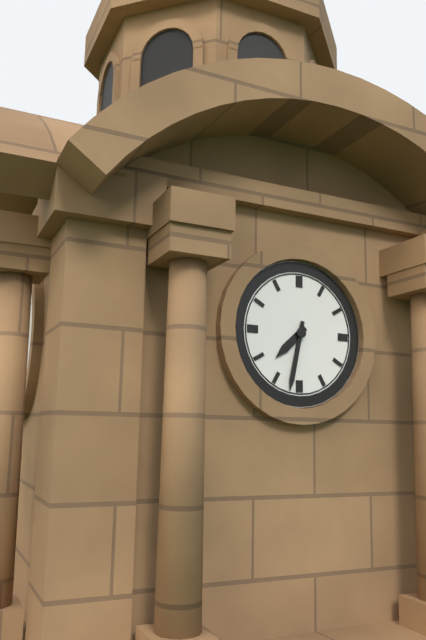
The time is 7h32
